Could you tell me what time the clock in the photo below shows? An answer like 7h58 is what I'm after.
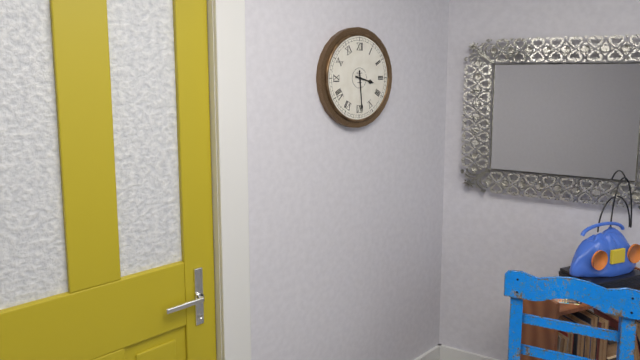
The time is 3h29
